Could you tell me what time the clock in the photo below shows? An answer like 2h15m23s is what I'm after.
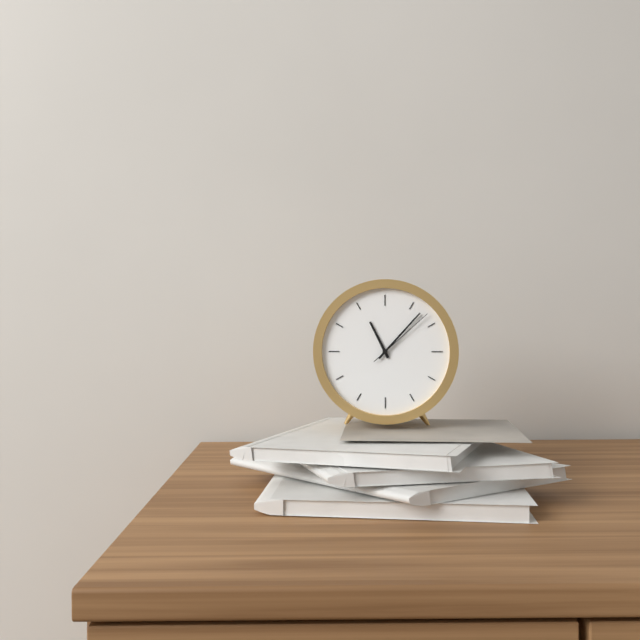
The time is 11h07m08s
